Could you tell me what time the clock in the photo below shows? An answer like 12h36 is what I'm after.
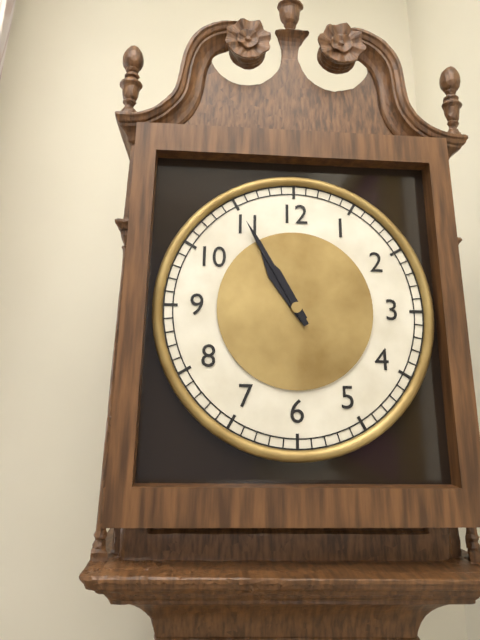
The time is 10h55
